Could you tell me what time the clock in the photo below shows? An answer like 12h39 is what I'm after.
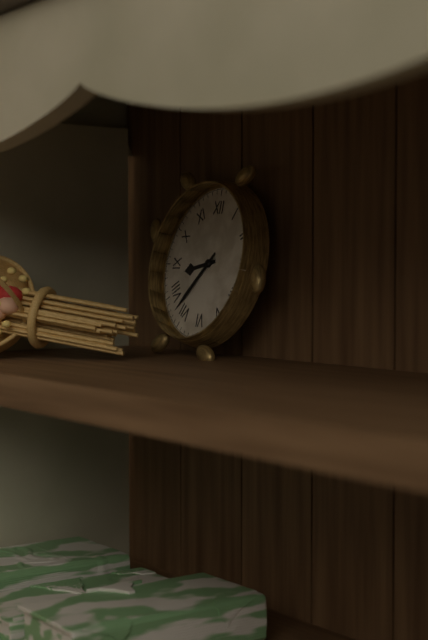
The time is 8h37
